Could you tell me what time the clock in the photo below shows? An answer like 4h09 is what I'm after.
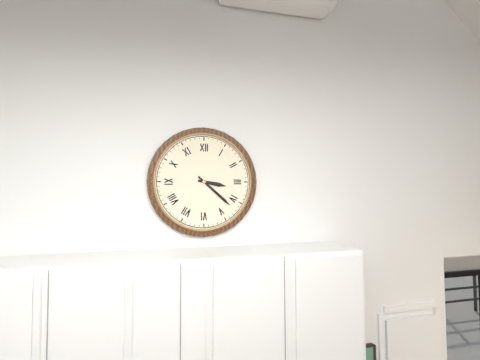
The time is 3h22
